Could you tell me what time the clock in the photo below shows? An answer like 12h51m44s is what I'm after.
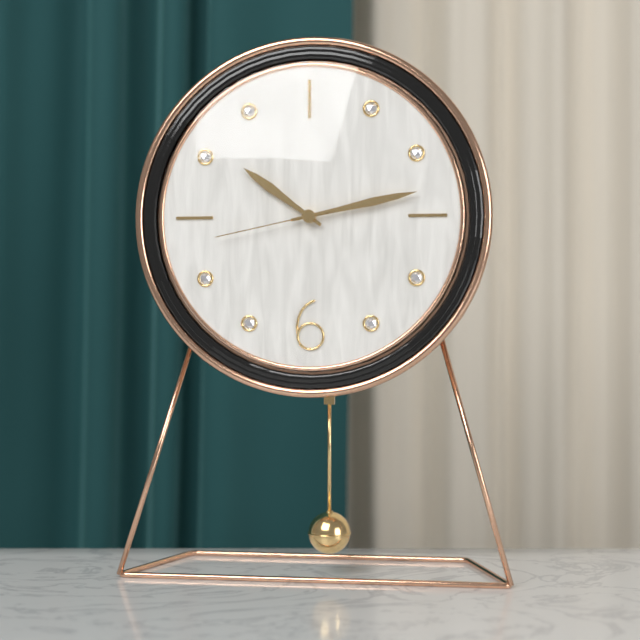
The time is 10h13m43s
